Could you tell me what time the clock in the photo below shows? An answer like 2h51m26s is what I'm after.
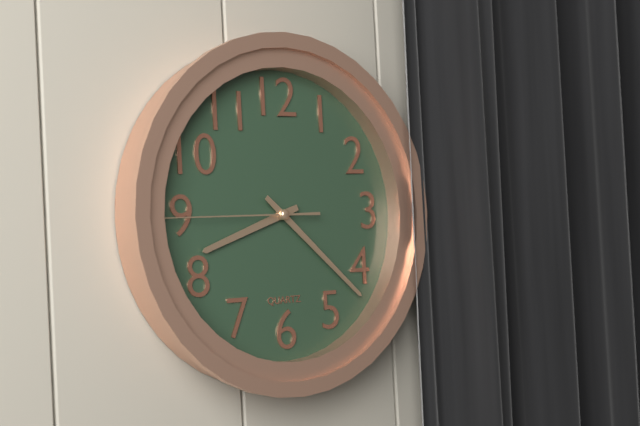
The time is 8h22m45s
